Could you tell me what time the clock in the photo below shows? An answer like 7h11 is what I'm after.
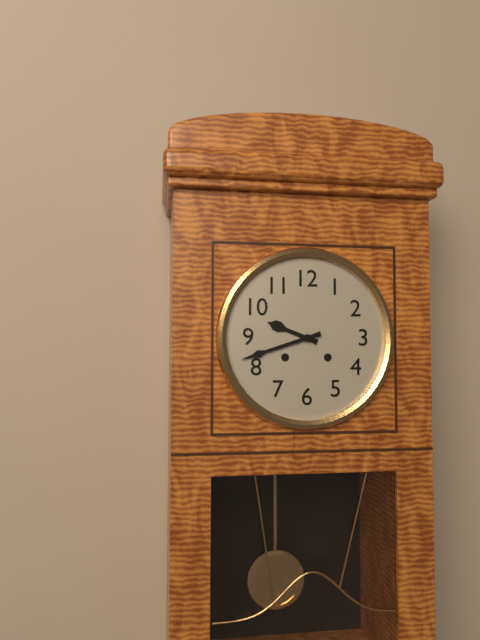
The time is 9h42
